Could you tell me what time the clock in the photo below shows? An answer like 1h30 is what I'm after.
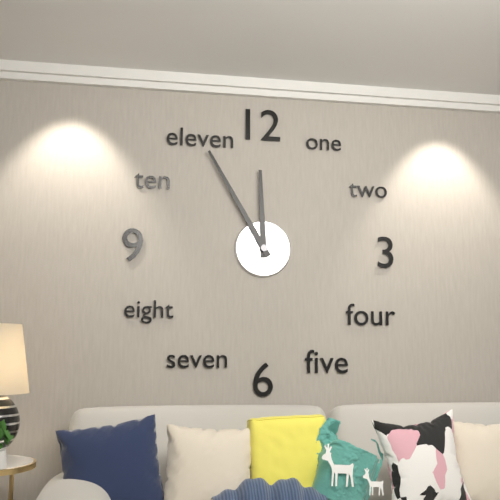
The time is 11h55
